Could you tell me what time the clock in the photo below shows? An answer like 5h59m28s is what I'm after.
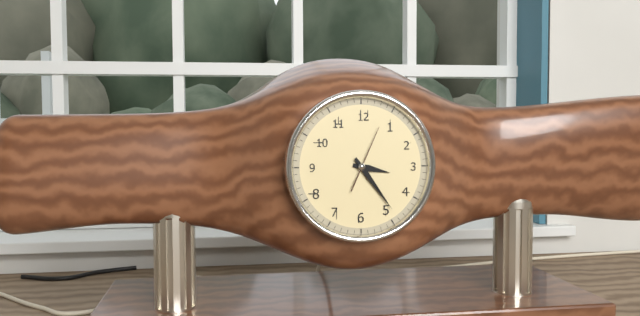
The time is 3h24m04s
